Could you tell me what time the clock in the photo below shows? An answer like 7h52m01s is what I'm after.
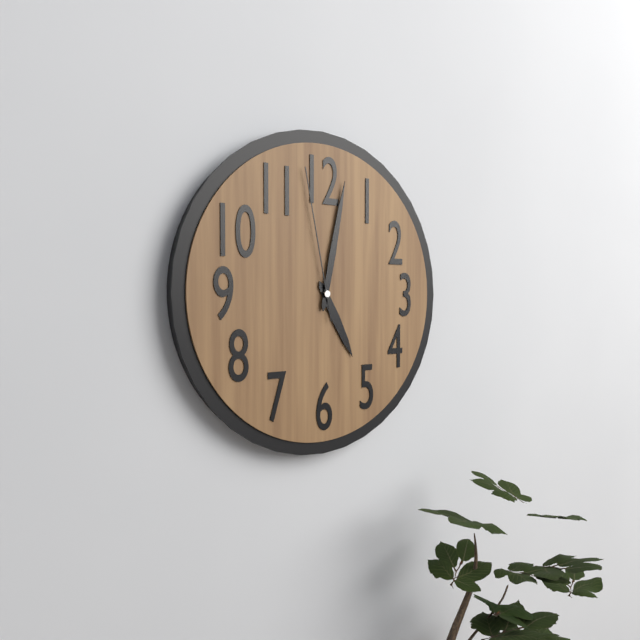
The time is 5h02m58s
